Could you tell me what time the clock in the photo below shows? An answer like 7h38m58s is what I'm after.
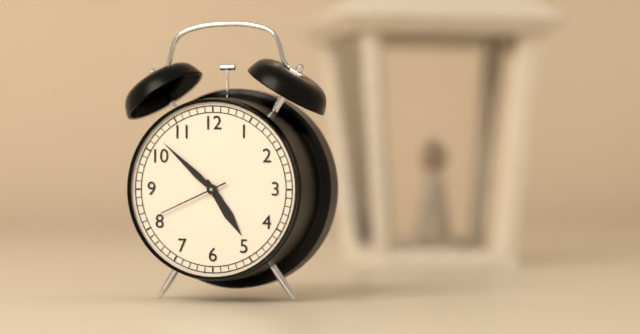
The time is 4h52m41s
